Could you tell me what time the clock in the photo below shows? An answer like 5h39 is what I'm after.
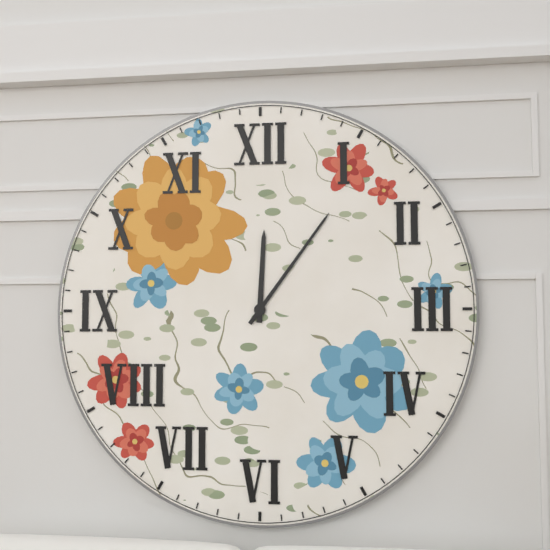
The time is 12h06
